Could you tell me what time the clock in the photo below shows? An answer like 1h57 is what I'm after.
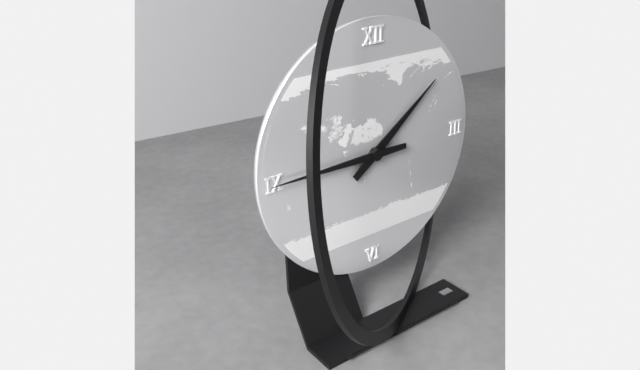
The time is 1h45
